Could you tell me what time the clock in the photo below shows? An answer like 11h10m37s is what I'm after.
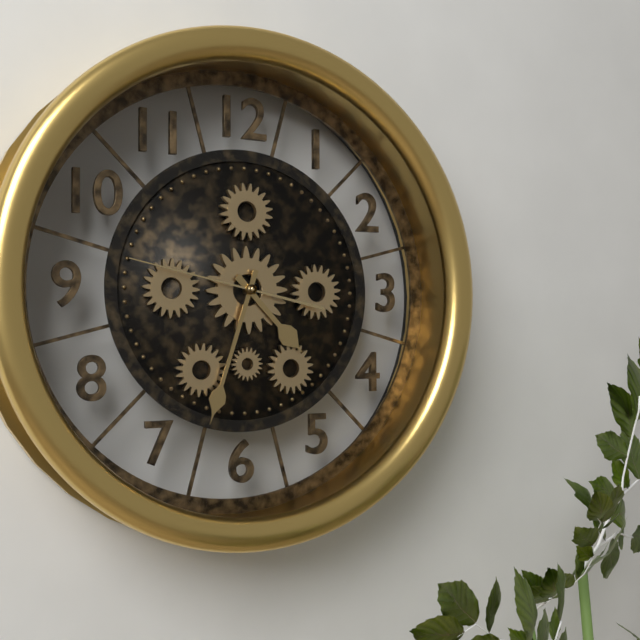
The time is 4h33m47s
